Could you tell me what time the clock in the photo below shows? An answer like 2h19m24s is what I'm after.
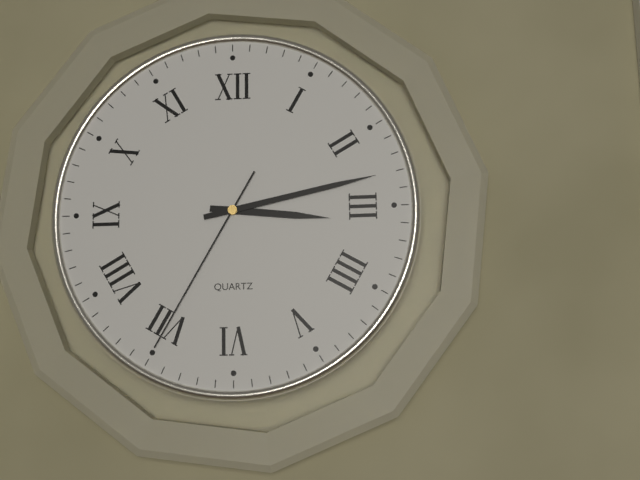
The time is 3h13m35s
